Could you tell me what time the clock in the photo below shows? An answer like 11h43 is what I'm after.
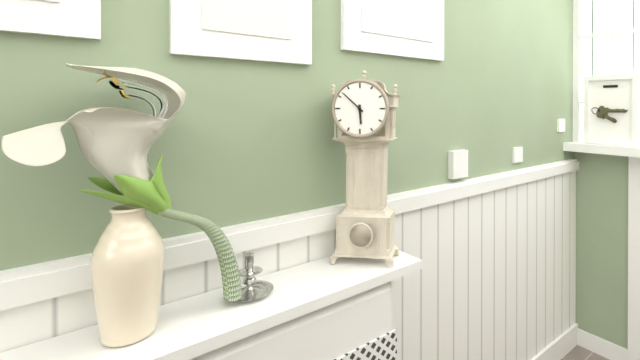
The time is 5h52
